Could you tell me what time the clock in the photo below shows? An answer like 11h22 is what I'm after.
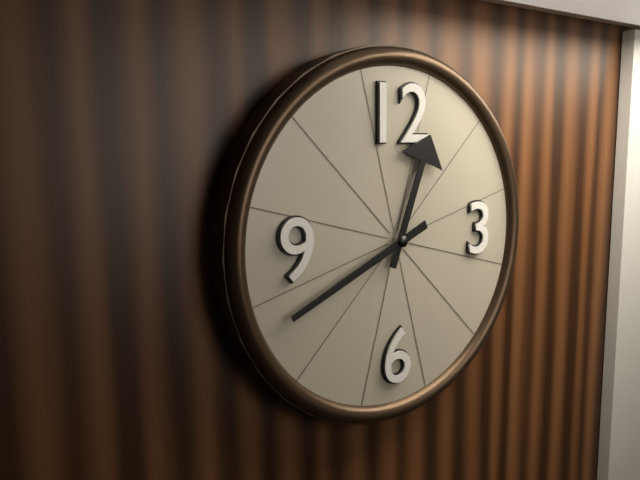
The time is 12h41
